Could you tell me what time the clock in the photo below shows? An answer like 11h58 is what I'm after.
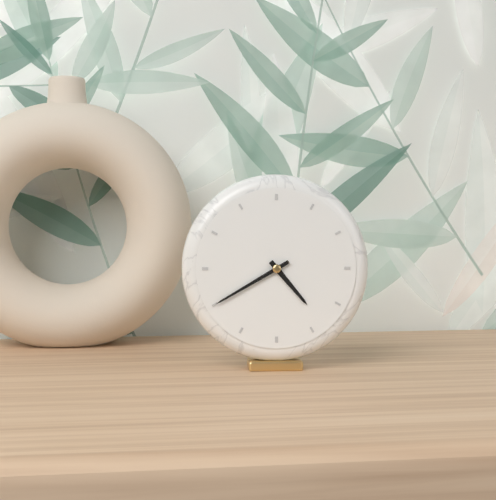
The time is 4h40
